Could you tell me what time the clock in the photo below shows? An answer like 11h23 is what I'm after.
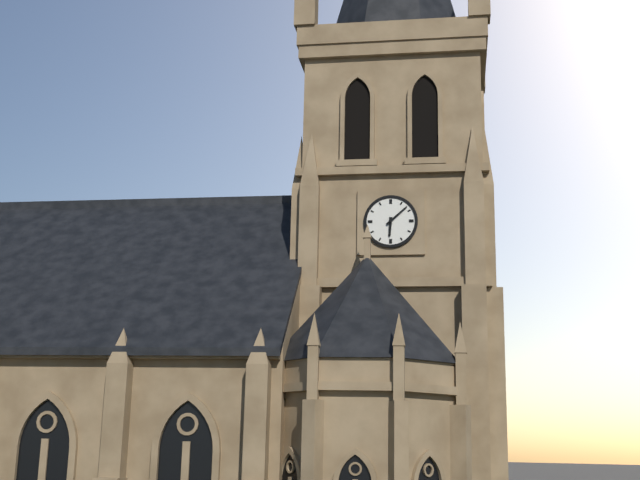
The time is 6h08
